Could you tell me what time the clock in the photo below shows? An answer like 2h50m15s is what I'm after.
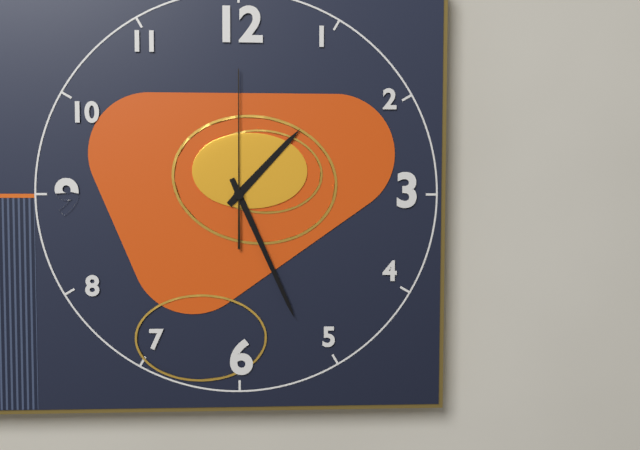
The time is 1h26m00s
